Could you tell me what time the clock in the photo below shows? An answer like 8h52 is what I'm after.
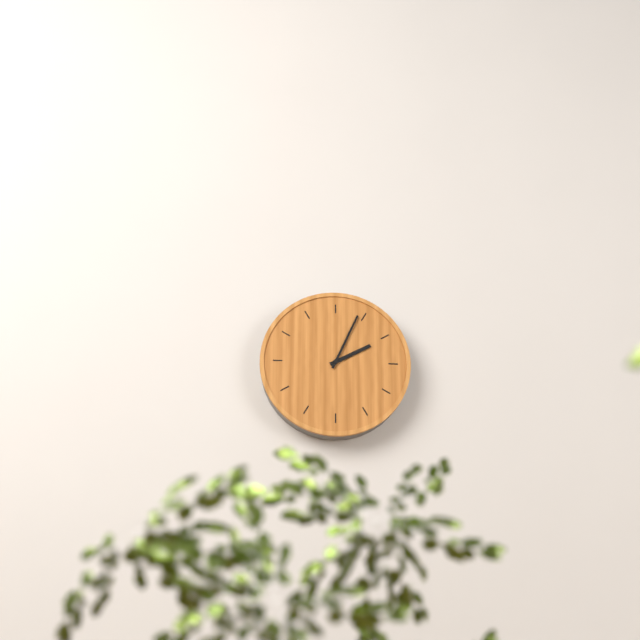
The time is 2h04
